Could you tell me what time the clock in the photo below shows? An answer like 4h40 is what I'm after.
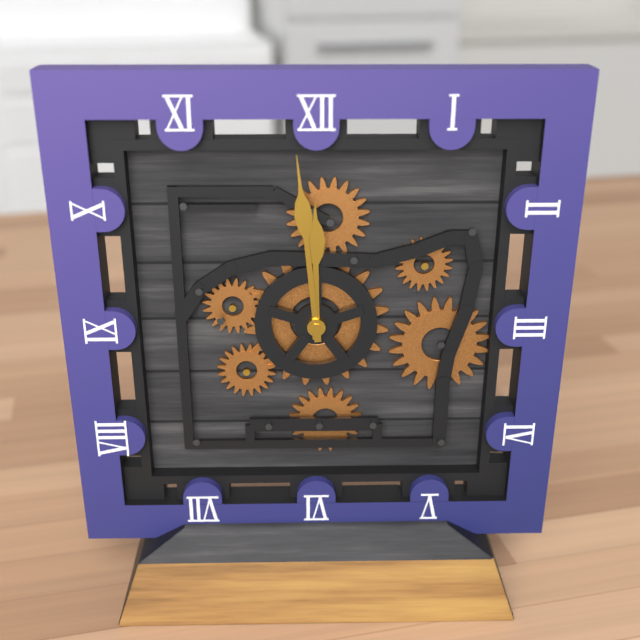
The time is 11h59
